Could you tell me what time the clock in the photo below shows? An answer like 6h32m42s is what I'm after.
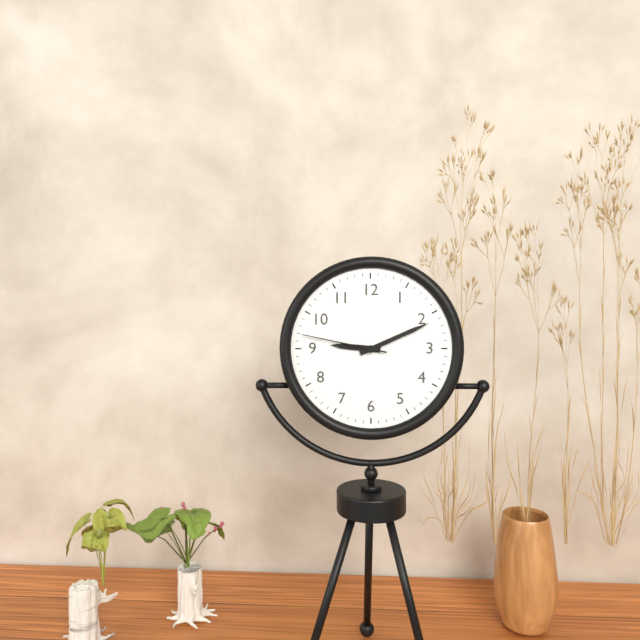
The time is 9h11m47s
